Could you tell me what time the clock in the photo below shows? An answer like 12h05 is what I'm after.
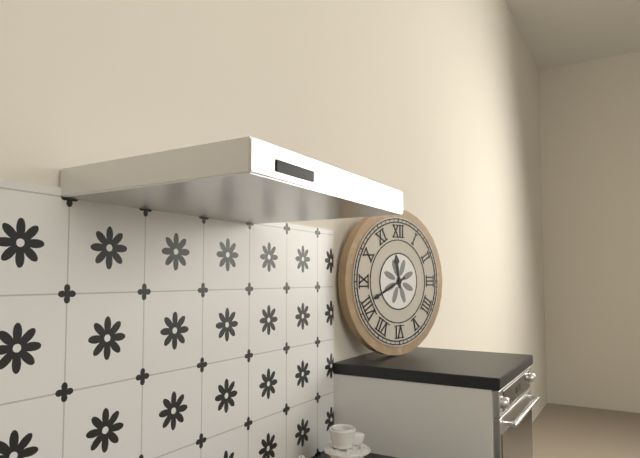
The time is 11h41
